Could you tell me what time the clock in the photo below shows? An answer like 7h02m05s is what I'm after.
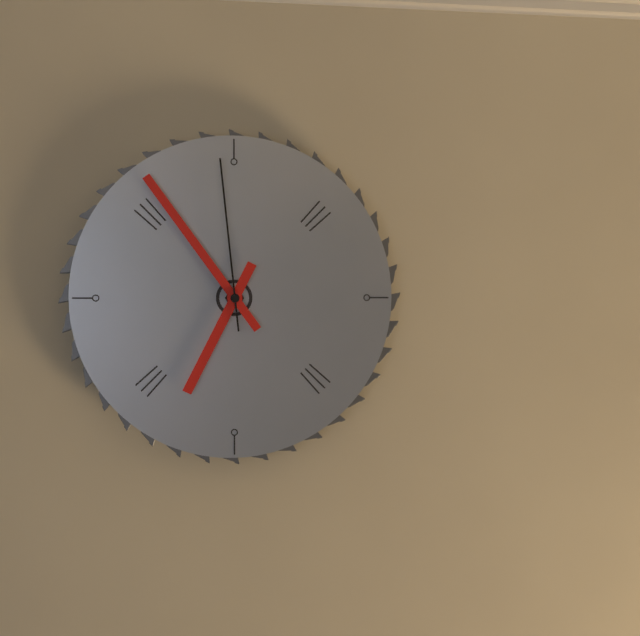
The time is 6h54m59s
